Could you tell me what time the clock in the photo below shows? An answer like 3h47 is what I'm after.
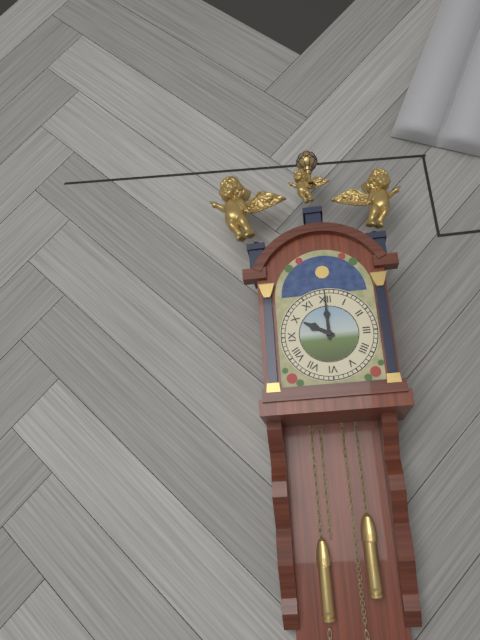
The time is 10h00
